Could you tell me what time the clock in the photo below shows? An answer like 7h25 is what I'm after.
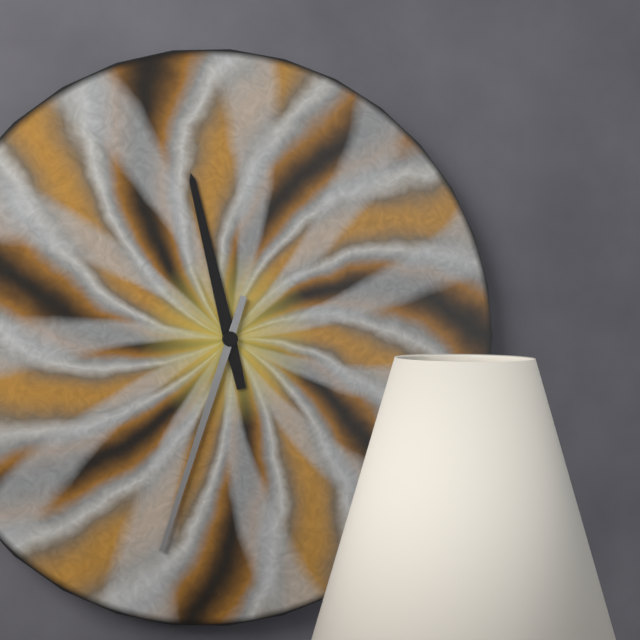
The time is 11h33
